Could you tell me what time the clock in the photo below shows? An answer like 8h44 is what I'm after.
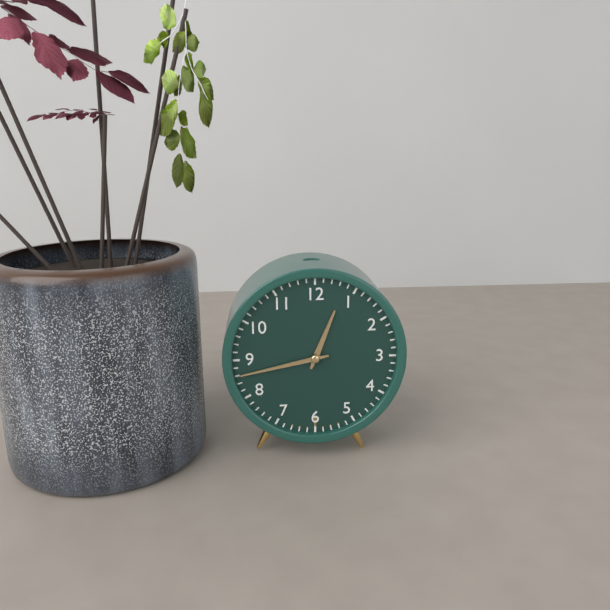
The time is 12h43
